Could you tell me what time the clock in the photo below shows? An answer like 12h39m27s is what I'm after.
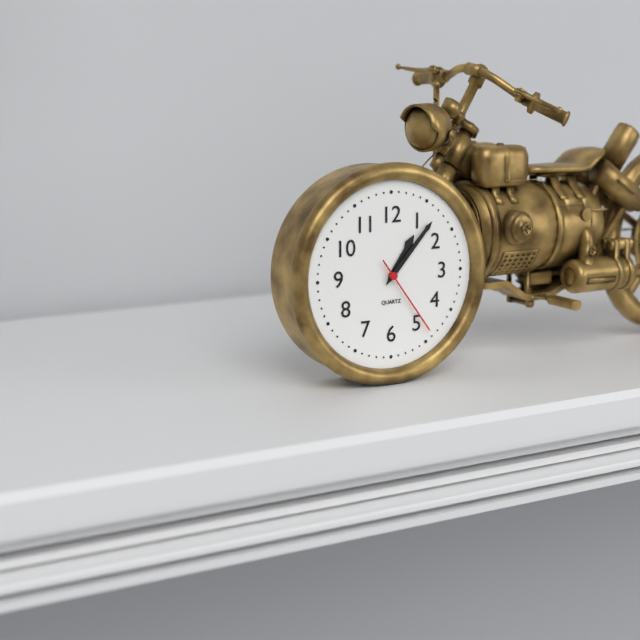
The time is 1h07m24s
